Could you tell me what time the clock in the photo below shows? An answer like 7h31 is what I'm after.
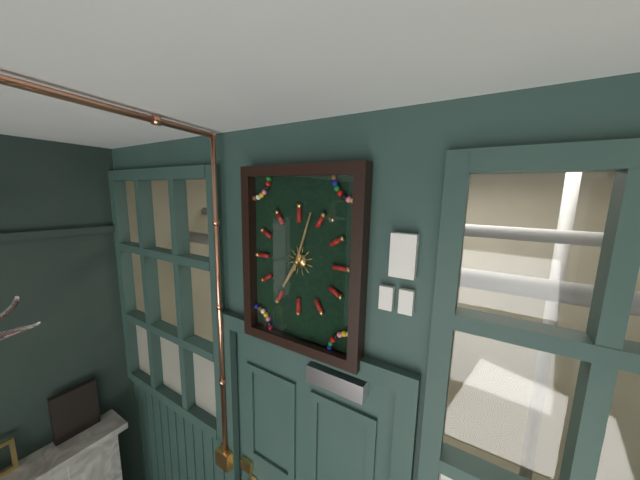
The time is 7h03
